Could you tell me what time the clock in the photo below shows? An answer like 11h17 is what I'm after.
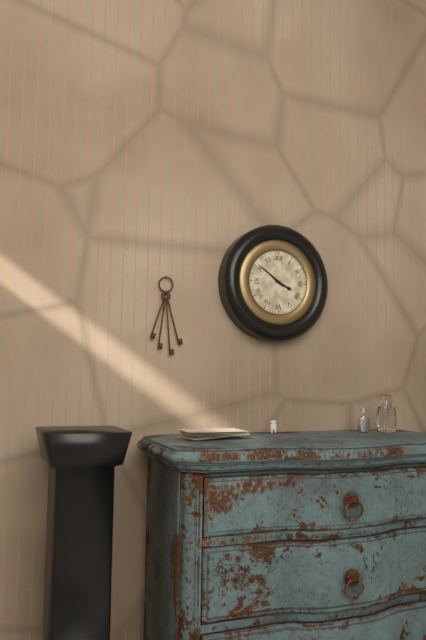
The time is 3h51
